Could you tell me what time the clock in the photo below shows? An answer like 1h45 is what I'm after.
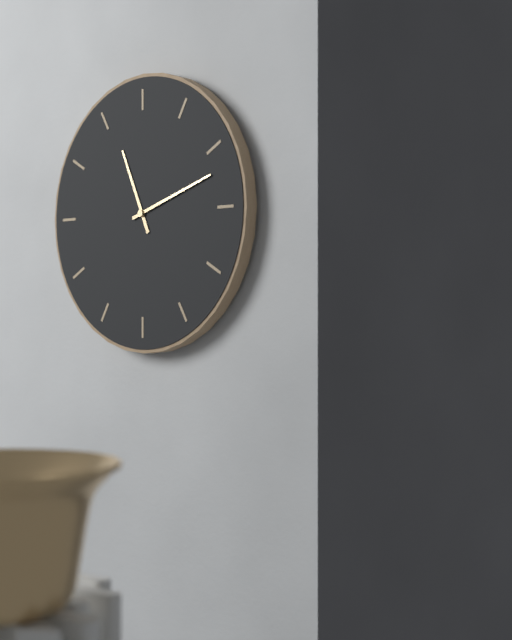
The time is 11h12
